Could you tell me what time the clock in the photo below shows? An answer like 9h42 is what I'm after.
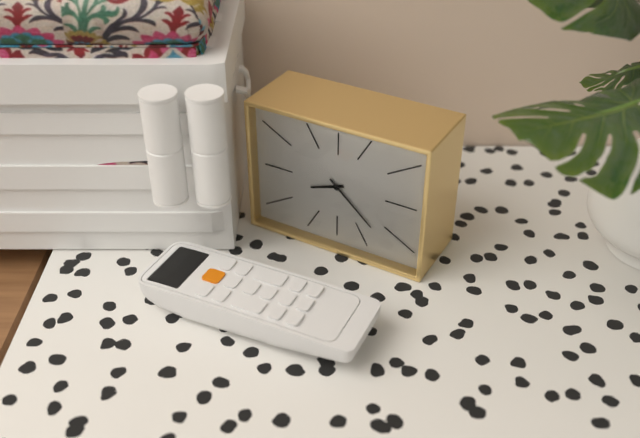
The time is 8h22
